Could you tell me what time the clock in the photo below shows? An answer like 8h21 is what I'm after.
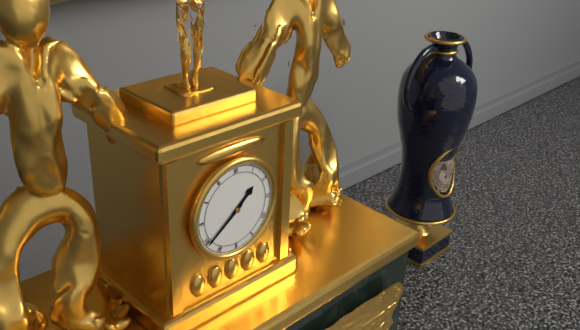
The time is 1h39
